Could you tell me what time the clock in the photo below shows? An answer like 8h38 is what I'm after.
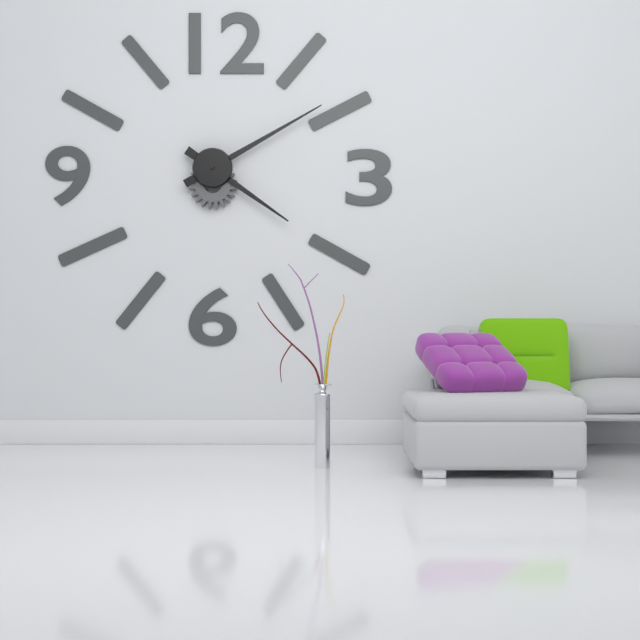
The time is 4h10
